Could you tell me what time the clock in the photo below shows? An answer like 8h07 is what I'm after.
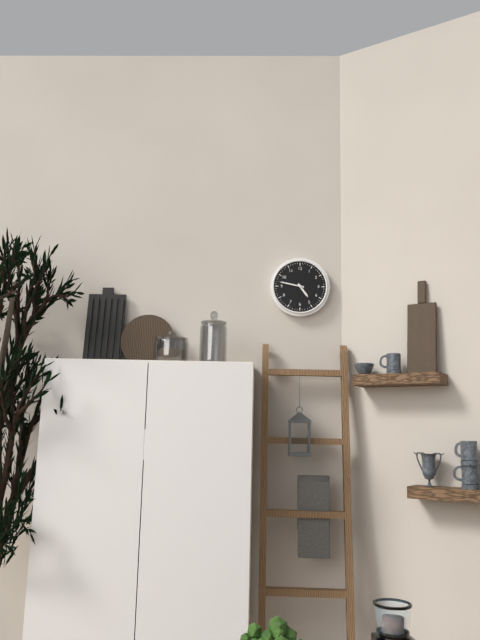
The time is 4h47
